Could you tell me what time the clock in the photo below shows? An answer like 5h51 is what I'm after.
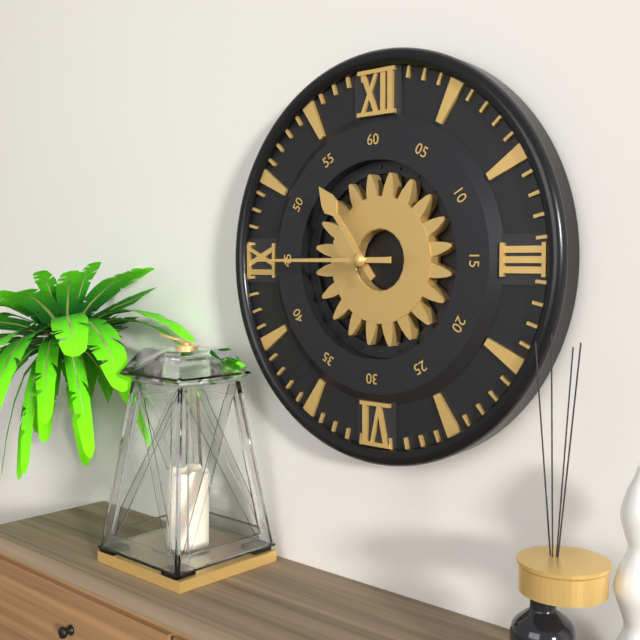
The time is 10h45
